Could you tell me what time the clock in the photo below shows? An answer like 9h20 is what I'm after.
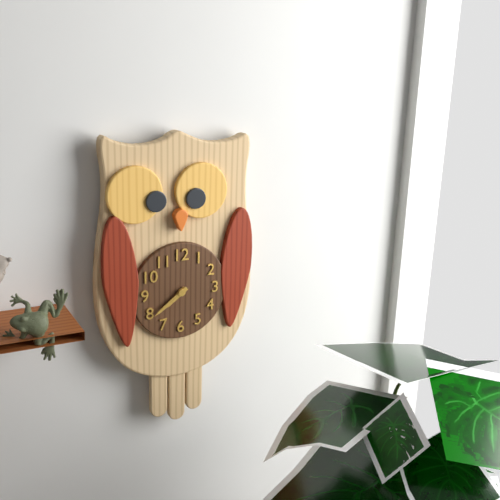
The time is 7h39
